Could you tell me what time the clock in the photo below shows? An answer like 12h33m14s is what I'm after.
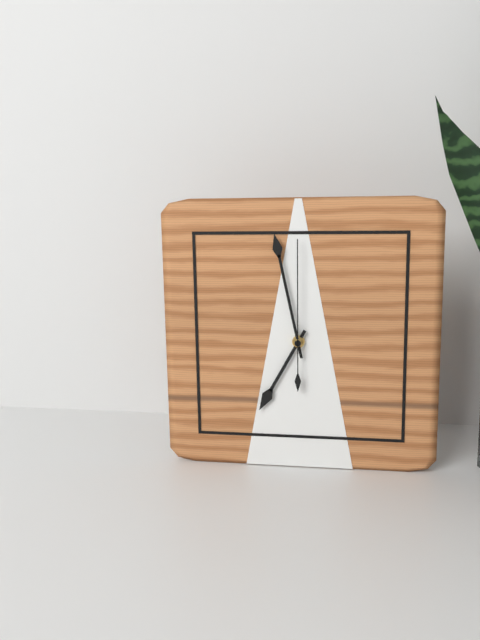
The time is 6h58m00s
